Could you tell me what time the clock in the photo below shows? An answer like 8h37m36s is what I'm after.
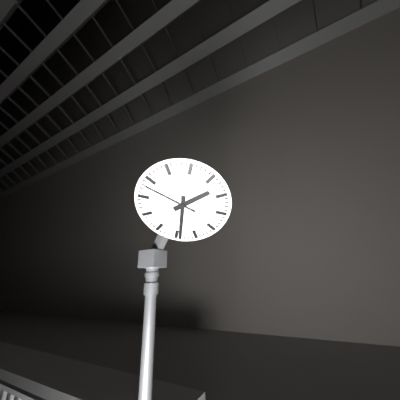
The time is 2h34m53s
